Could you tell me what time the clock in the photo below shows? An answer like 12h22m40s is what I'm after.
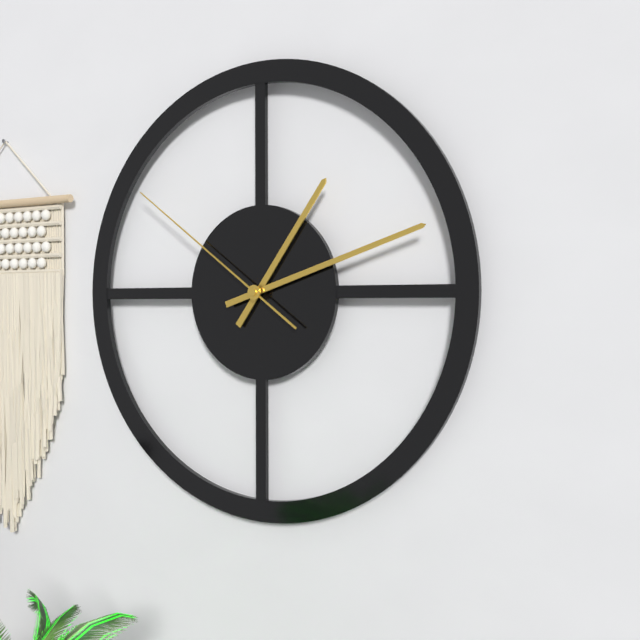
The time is 1h12m51s
